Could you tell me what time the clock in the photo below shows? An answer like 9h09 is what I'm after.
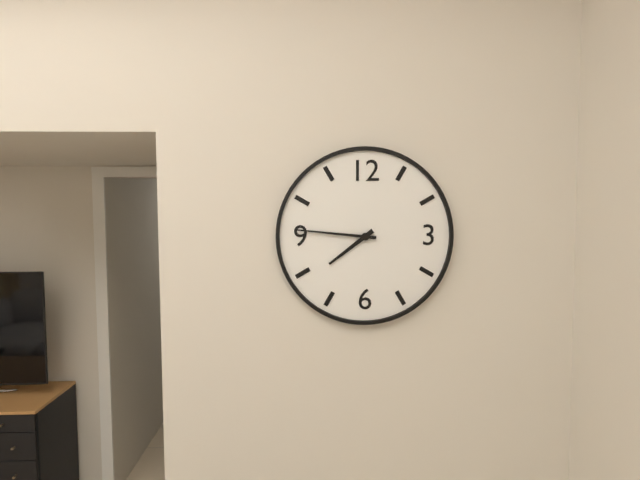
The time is 7h46
